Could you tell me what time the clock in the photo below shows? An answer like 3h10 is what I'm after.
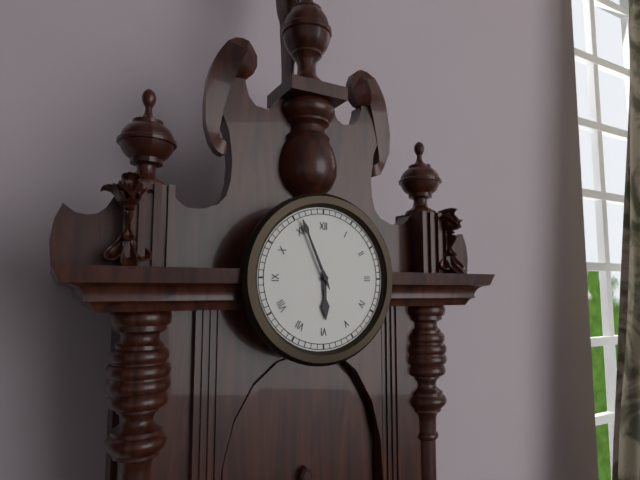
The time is 5h56
